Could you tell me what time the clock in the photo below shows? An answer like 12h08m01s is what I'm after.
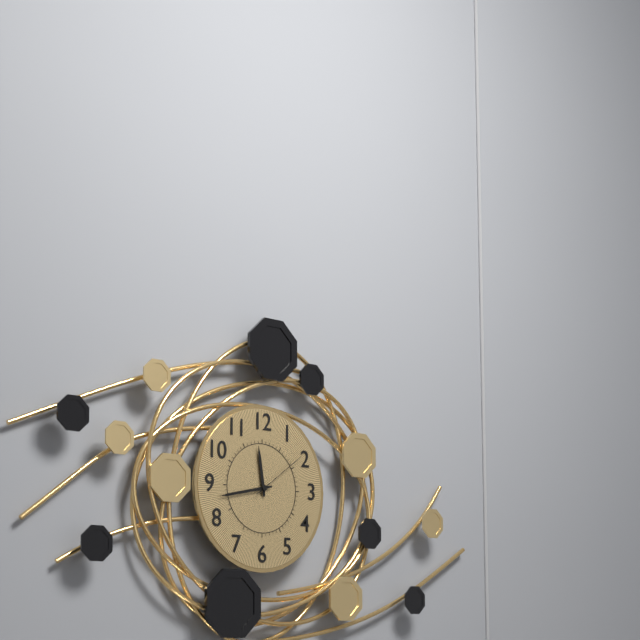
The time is 11h43m09s
